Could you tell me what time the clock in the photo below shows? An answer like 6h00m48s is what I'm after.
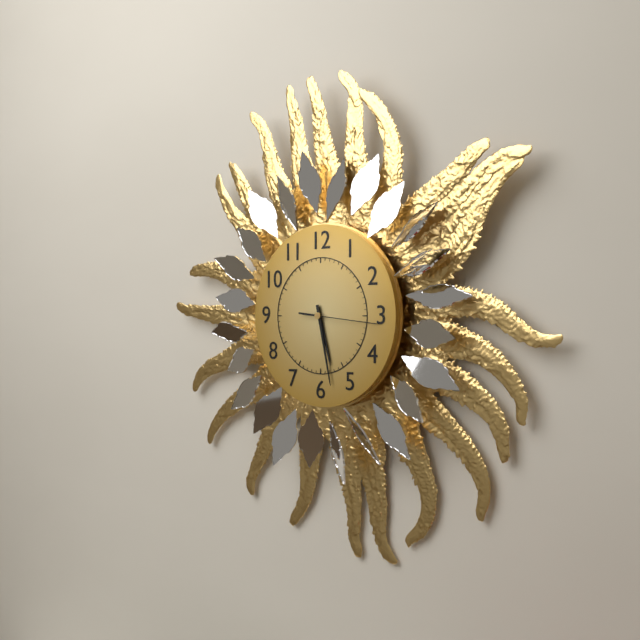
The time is 5h28m16s
